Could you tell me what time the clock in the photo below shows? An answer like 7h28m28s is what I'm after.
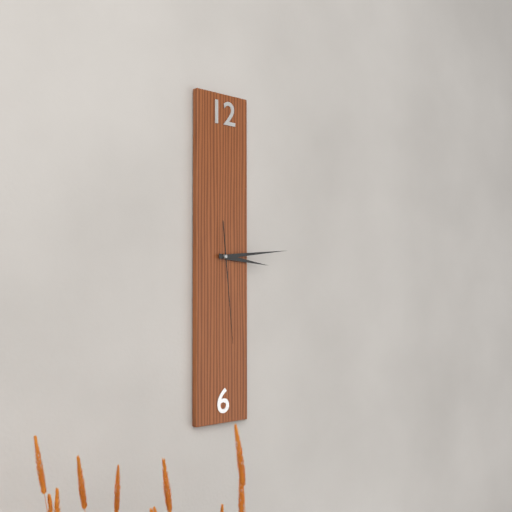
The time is 3h14m29s
